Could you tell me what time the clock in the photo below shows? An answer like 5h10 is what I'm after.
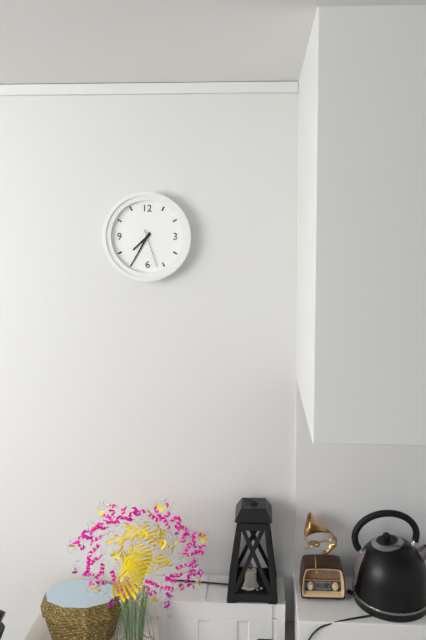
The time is 7h35
